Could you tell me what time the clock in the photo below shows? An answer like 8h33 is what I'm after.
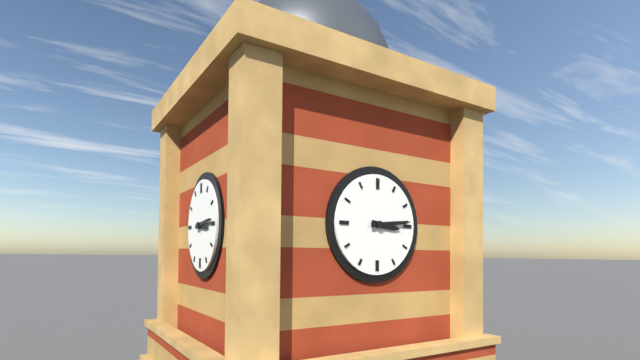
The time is 3h14
